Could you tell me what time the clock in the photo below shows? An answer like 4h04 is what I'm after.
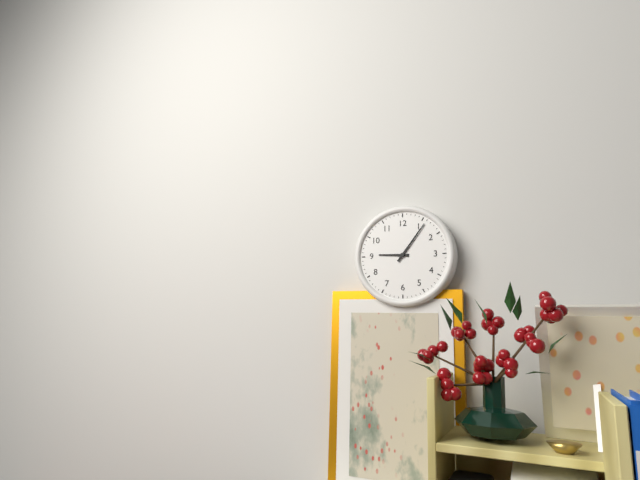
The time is 9h06
